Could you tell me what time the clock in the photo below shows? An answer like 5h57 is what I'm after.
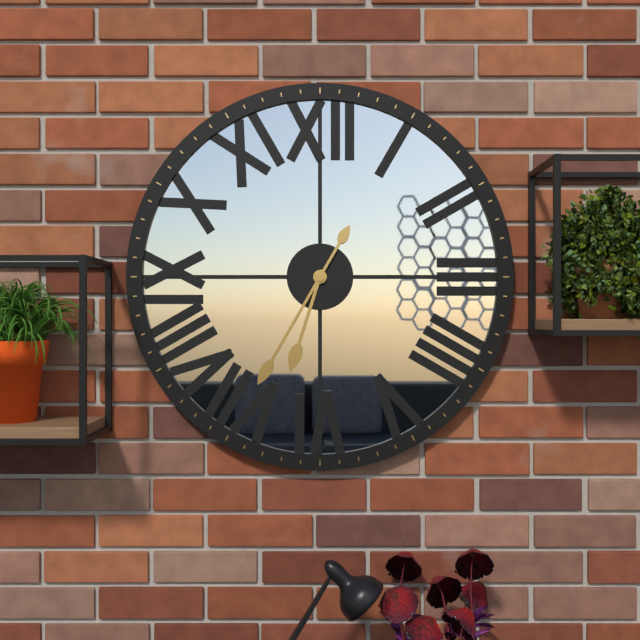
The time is 6h35
